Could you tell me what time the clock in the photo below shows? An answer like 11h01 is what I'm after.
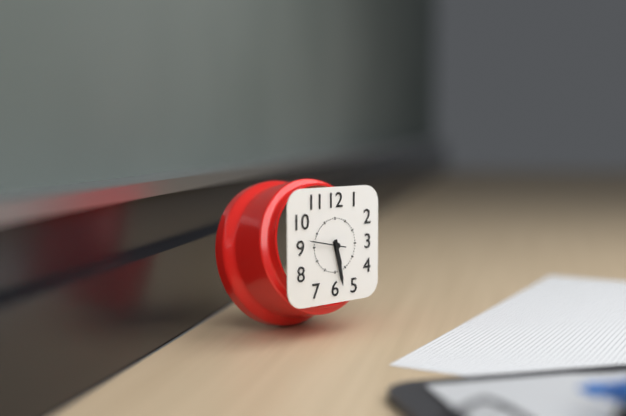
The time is 5h28
